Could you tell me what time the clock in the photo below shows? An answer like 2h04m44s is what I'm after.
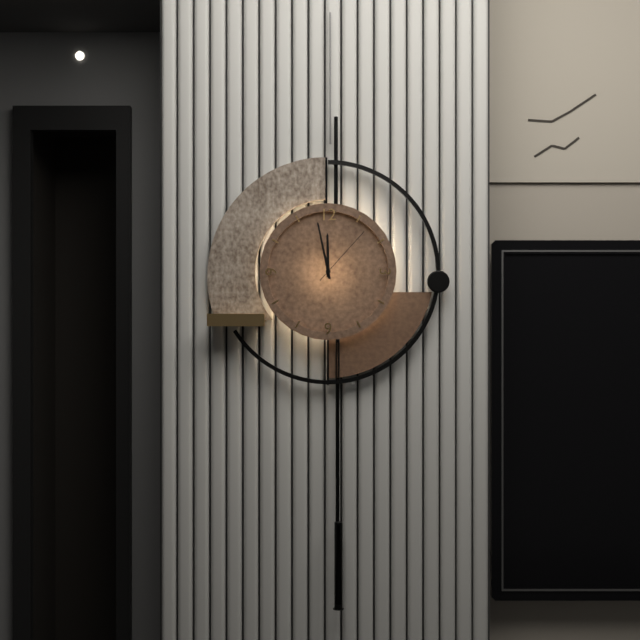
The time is 11h58m07s
